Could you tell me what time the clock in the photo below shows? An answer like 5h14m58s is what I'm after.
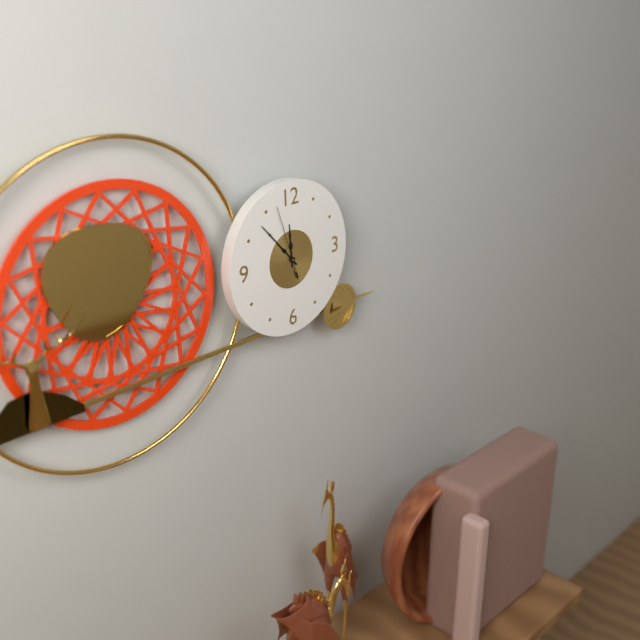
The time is 11h53m57s
